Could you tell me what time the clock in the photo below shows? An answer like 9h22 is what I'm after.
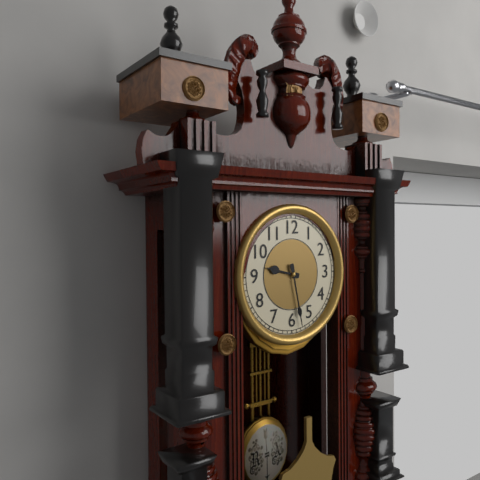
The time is 9h28
